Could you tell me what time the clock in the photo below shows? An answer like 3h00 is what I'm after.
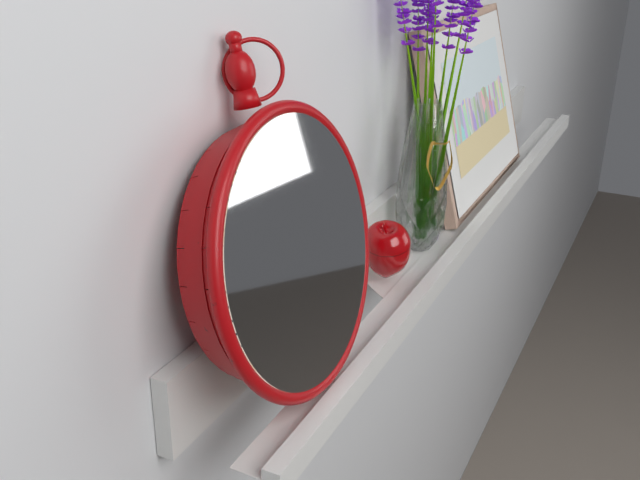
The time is 5h58
